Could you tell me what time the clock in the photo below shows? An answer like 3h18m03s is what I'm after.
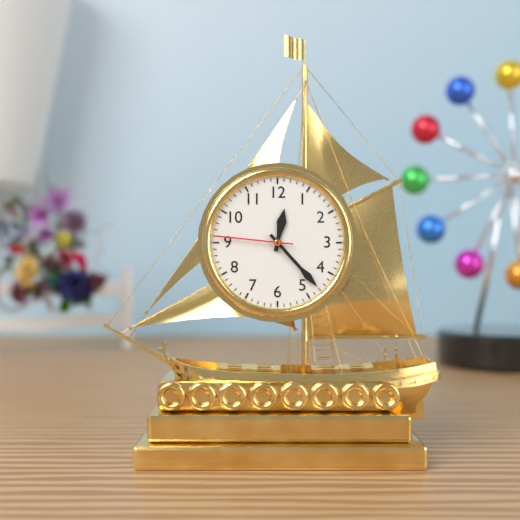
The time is 12h23m46s
